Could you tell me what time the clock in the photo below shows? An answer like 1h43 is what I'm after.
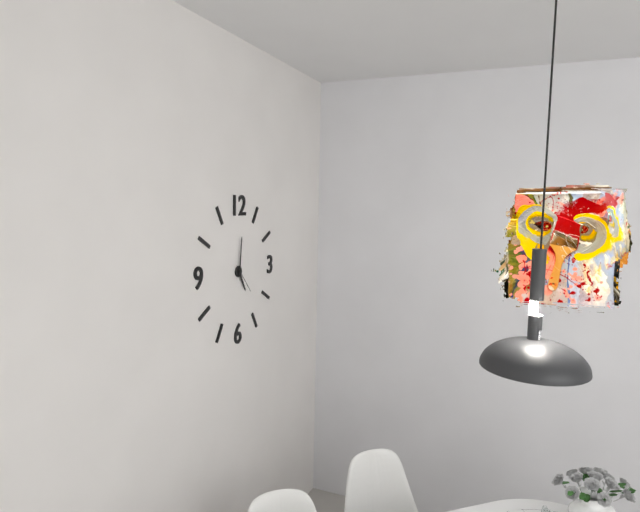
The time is 5h01
